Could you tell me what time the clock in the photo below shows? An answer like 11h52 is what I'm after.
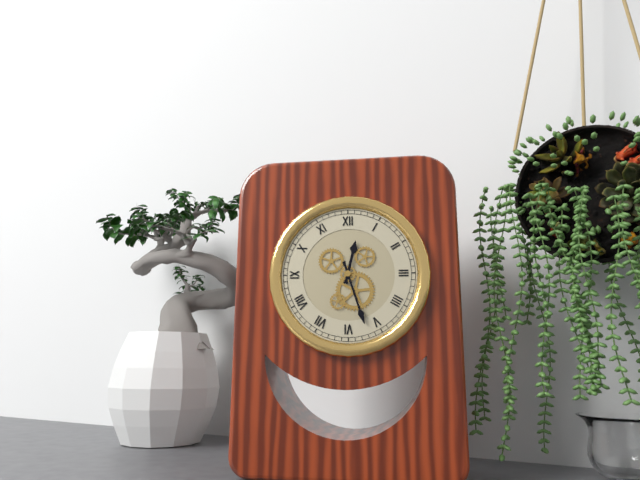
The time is 12h27
